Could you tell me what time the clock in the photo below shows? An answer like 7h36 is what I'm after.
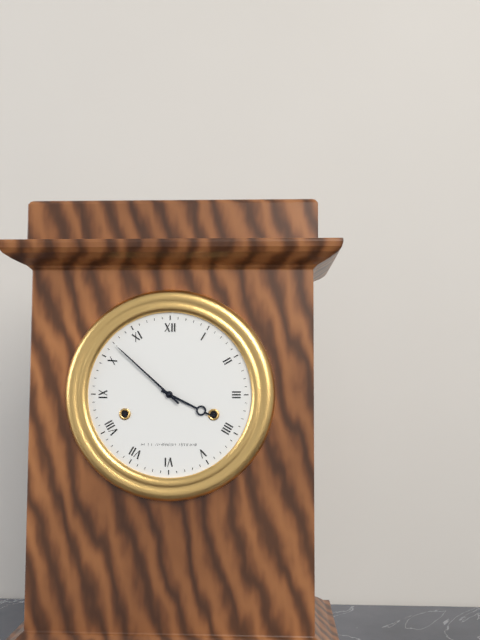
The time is 3h52
